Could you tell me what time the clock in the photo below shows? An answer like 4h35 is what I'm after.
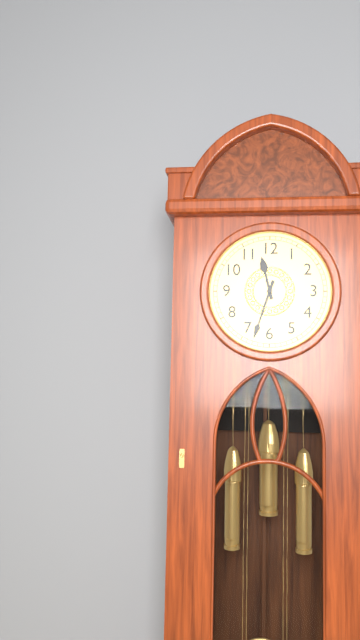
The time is 11h33
